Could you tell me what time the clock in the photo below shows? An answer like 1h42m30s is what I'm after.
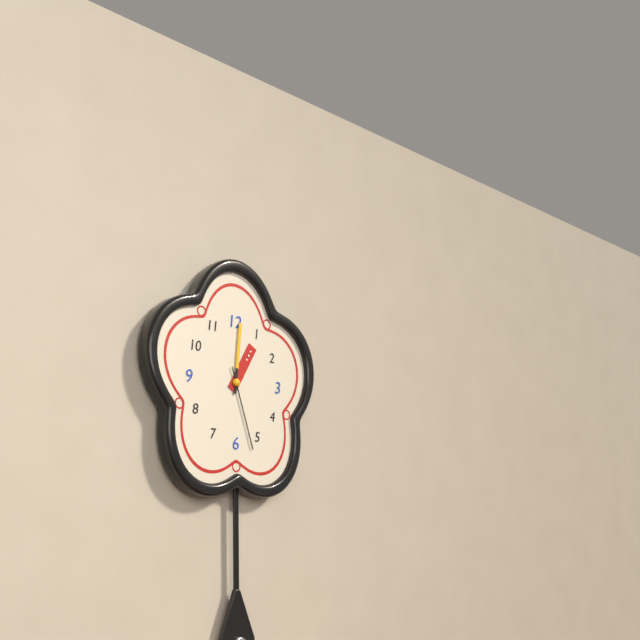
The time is 1h01m27s
